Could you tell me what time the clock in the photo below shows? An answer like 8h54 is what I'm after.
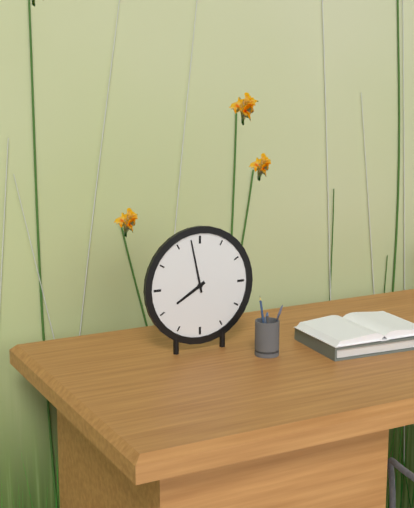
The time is 7h58
